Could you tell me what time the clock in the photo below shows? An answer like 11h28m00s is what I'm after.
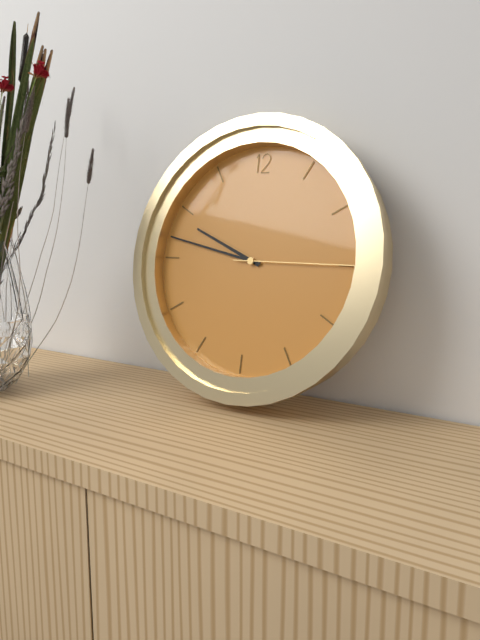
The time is 9h47m15s
